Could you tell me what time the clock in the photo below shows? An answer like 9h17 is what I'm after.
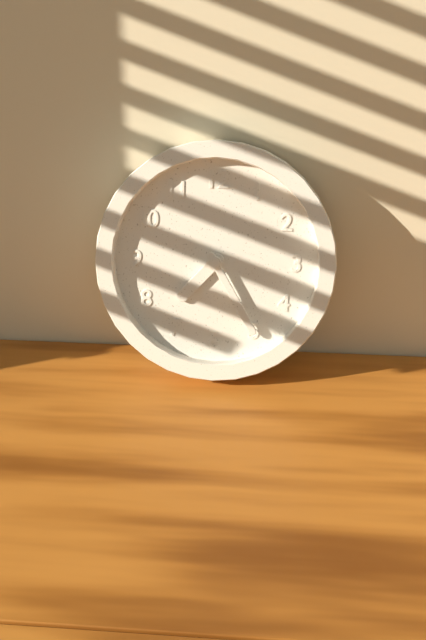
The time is 7h25
